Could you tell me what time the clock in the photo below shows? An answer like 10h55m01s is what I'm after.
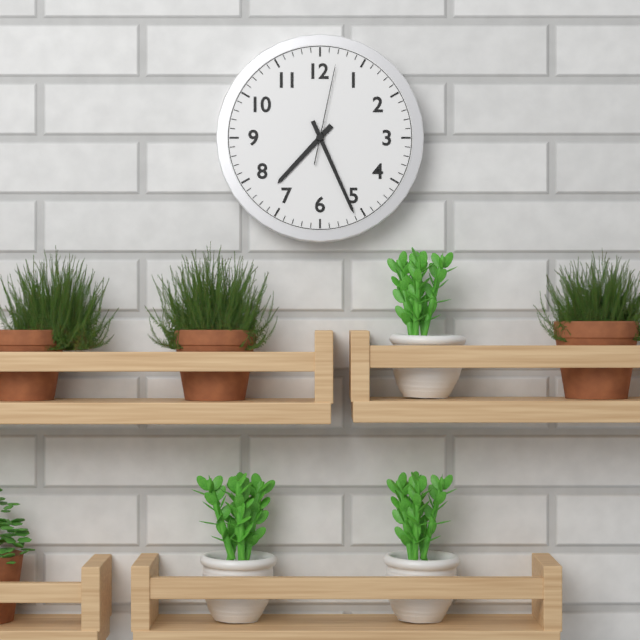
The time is 7h26m02s
